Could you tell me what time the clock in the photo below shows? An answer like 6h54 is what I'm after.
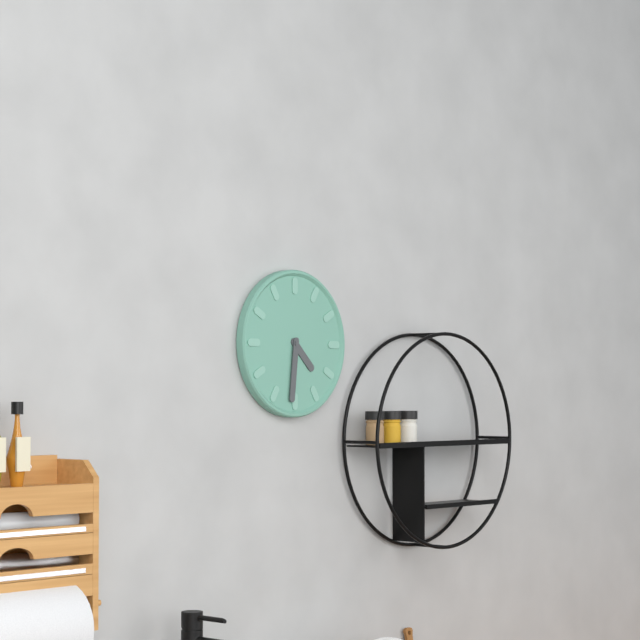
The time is 4h31
